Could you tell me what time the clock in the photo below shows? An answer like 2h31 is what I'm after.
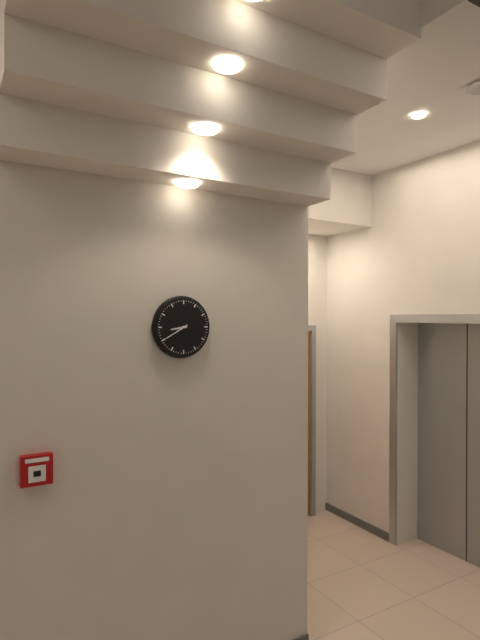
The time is 8h40
